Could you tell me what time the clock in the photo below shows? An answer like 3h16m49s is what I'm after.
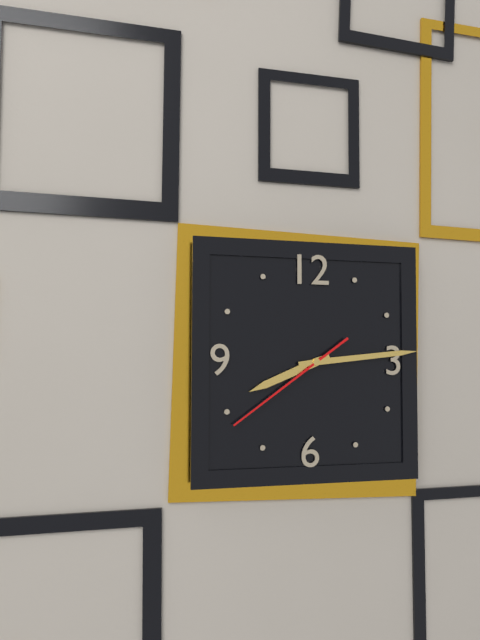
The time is 8h14m39s
